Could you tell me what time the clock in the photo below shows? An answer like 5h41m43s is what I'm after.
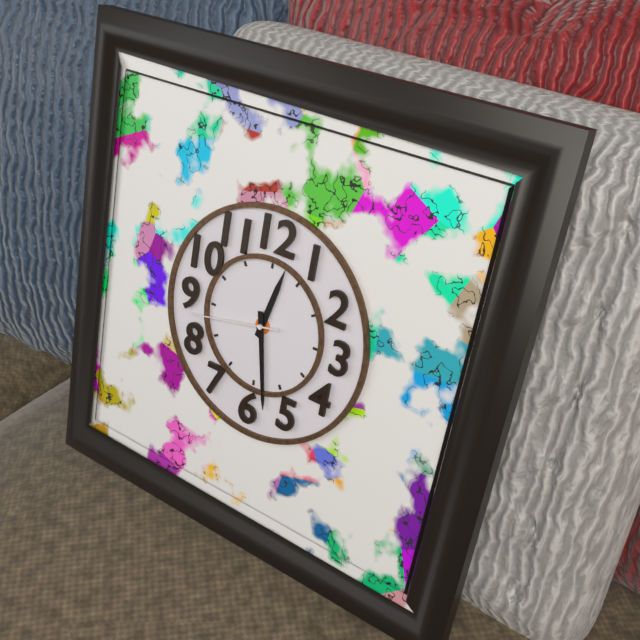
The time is 12h28m43s
